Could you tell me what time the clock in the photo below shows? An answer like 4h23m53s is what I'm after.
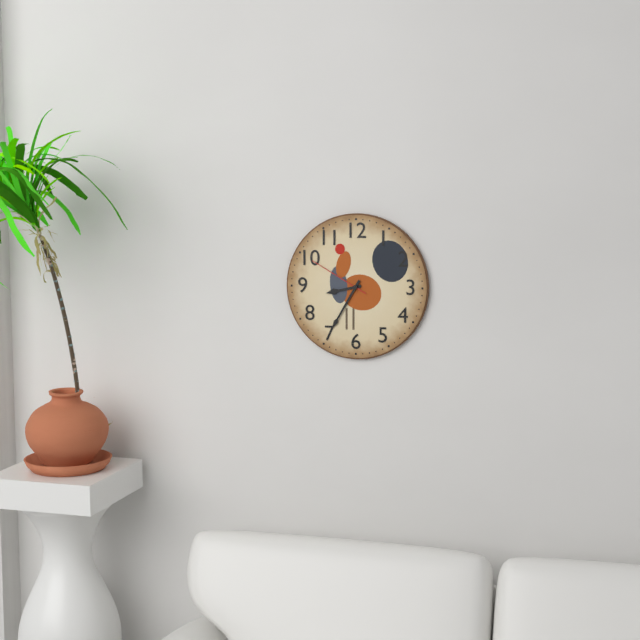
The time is 8h35m50s
